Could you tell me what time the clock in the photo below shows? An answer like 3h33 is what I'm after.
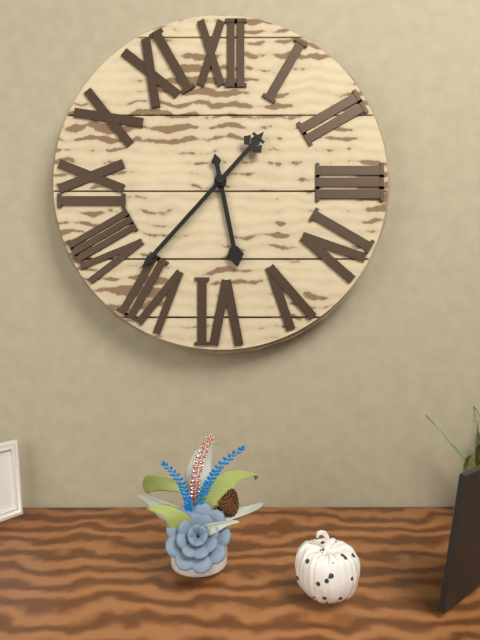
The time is 5h37
